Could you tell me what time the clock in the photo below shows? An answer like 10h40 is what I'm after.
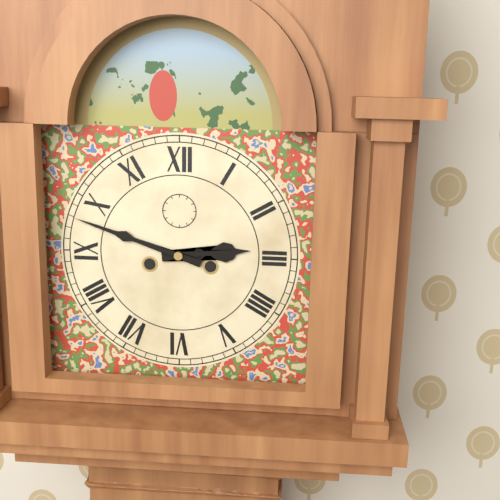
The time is 2h48
